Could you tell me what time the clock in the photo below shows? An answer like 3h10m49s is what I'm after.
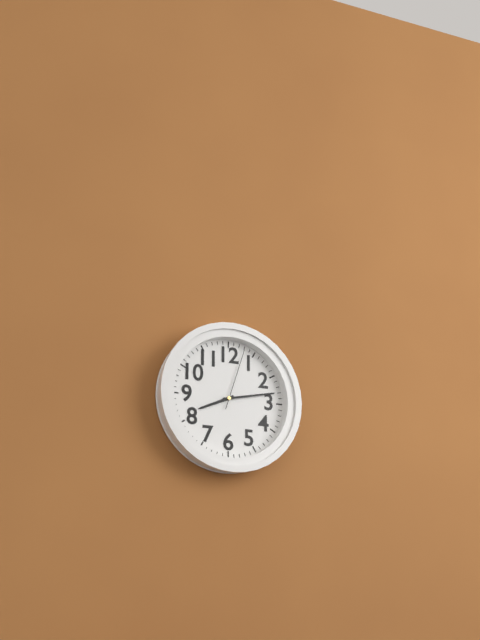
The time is 8h13m03s
